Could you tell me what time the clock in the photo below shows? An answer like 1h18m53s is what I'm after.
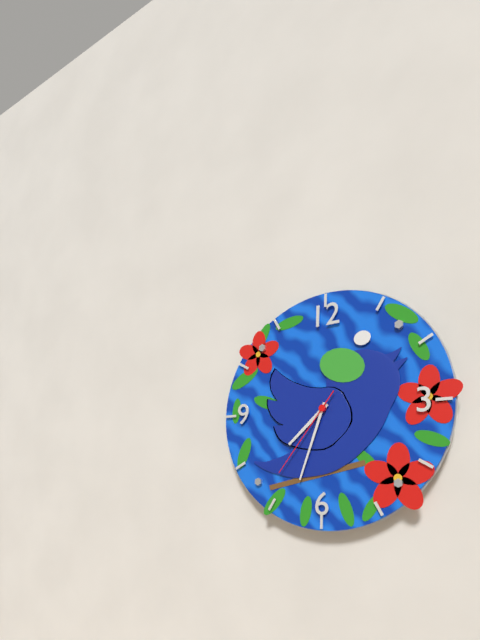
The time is 7h33m36s
